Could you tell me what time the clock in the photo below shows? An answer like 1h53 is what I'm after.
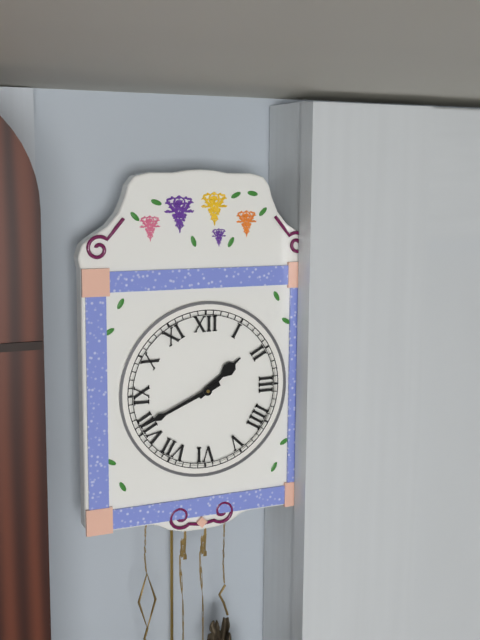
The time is 1h41
